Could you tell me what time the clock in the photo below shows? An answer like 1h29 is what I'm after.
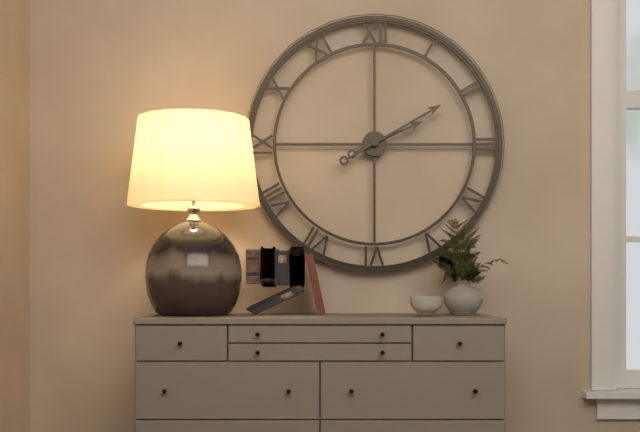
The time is 2h10
